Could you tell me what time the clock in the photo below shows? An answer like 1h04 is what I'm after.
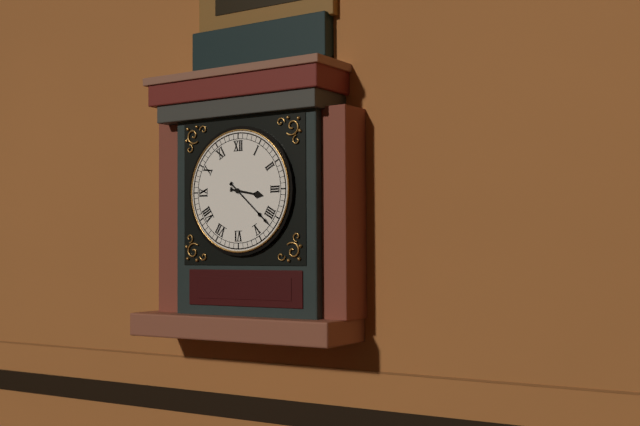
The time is 3h22
